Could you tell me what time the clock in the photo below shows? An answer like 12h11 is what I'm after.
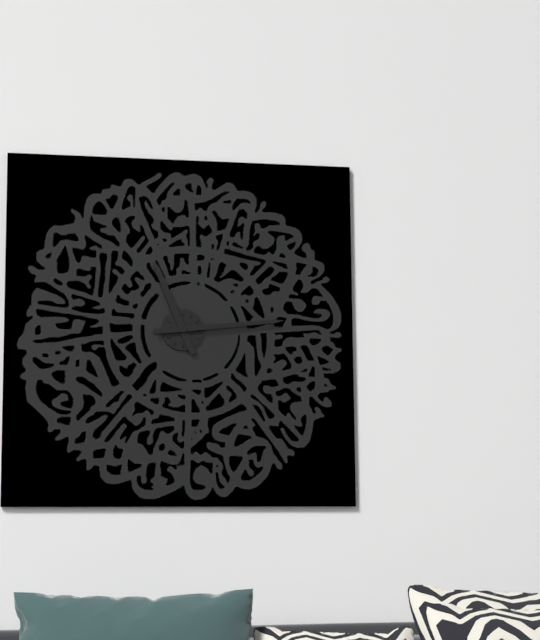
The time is 11h14
